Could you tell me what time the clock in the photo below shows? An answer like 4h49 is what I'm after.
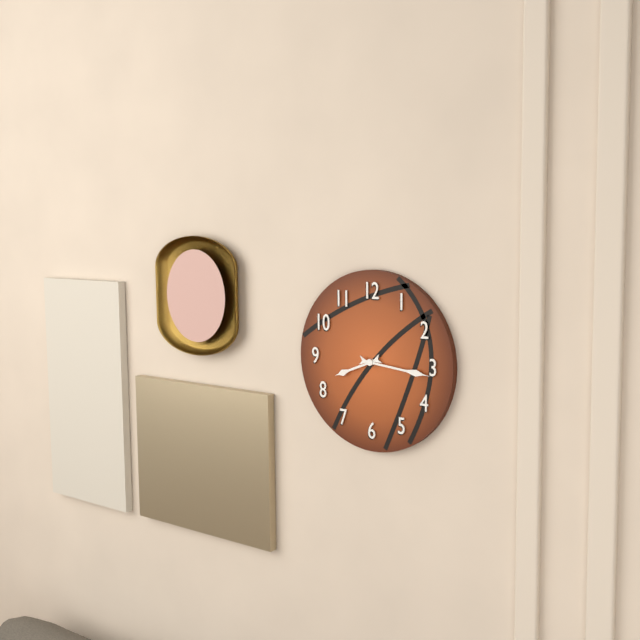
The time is 8h16
